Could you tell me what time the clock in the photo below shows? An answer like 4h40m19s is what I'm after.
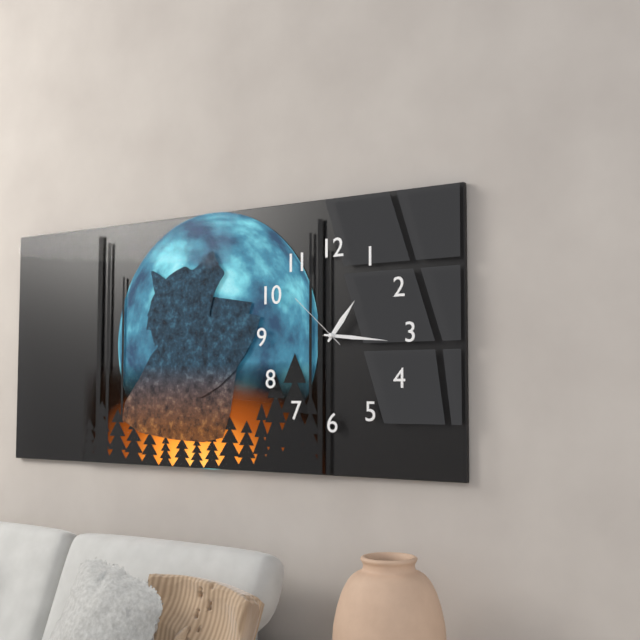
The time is 1h16m52s
